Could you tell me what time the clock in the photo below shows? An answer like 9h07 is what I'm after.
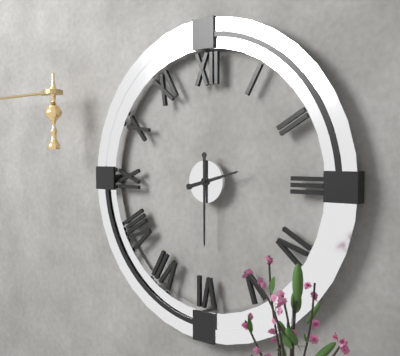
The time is 2h30
